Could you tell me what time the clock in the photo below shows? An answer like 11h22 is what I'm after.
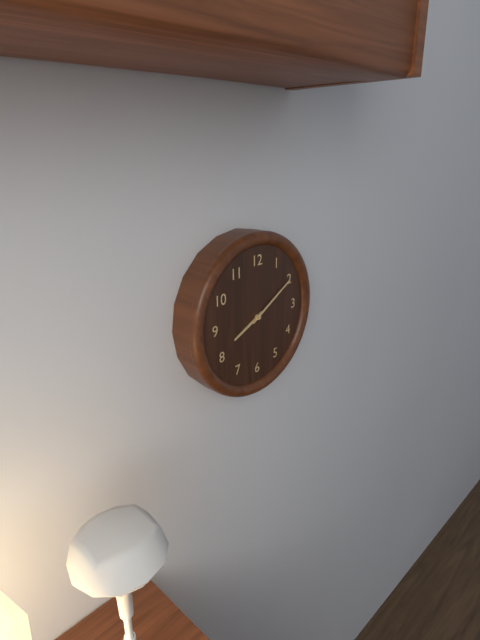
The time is 8h10
